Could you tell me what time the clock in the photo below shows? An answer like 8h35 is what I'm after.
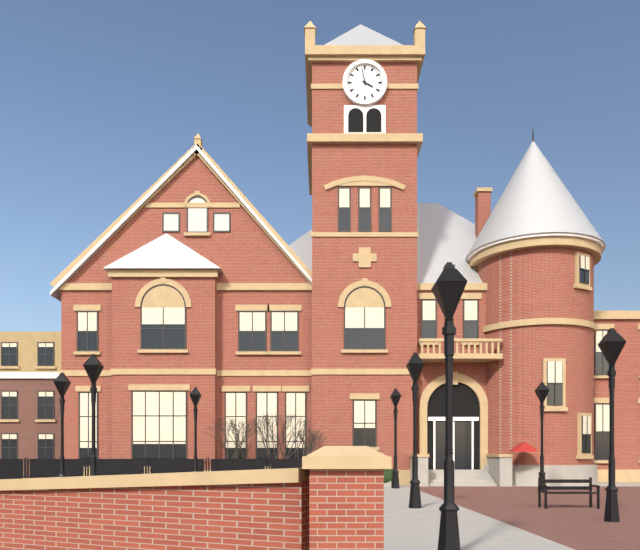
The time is 3h58
